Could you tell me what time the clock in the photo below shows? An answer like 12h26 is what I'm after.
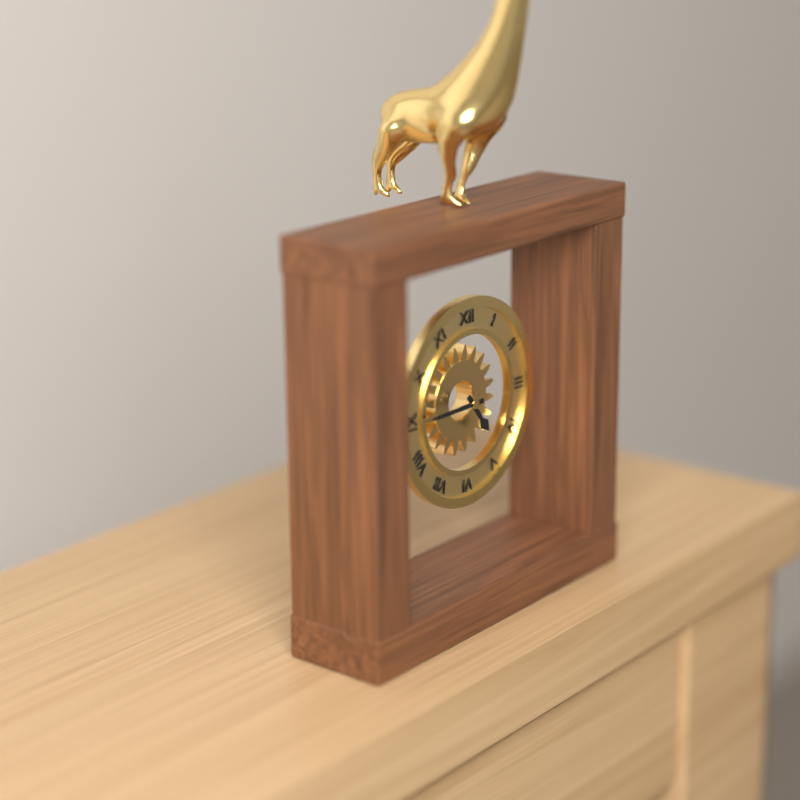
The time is 4h45
